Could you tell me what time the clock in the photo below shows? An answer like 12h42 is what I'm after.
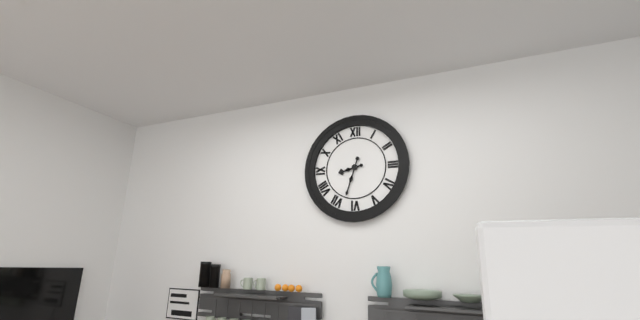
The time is 8h33
